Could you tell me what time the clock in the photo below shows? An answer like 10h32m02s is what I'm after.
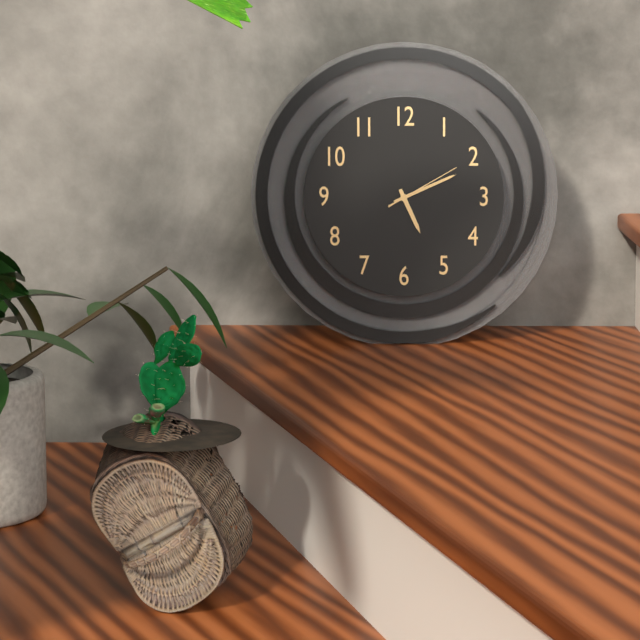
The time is 5h11m10s
